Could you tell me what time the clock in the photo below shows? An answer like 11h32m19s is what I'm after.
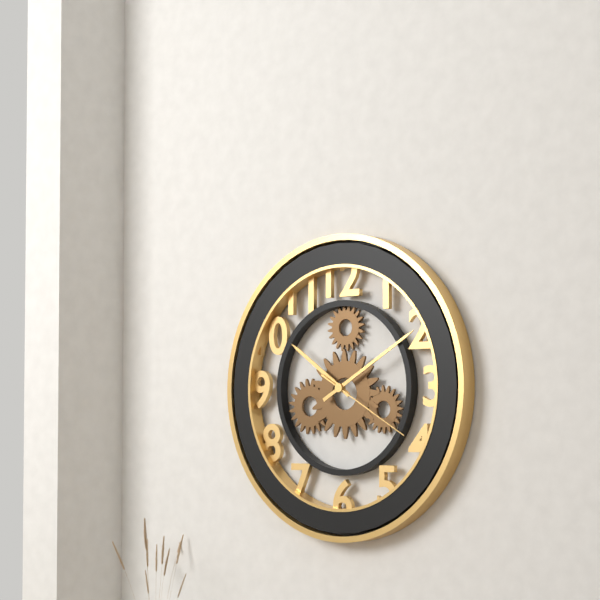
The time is 10h10m20s
